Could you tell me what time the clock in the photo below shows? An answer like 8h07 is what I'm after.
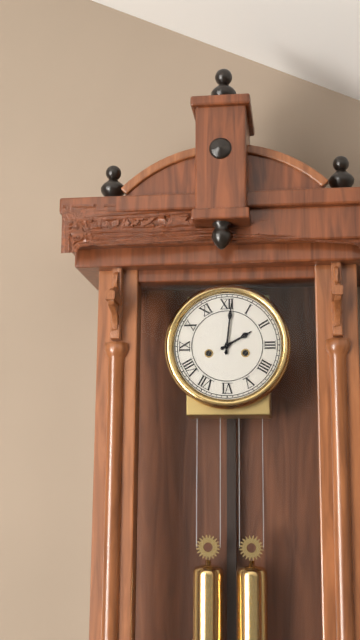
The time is 2h01
